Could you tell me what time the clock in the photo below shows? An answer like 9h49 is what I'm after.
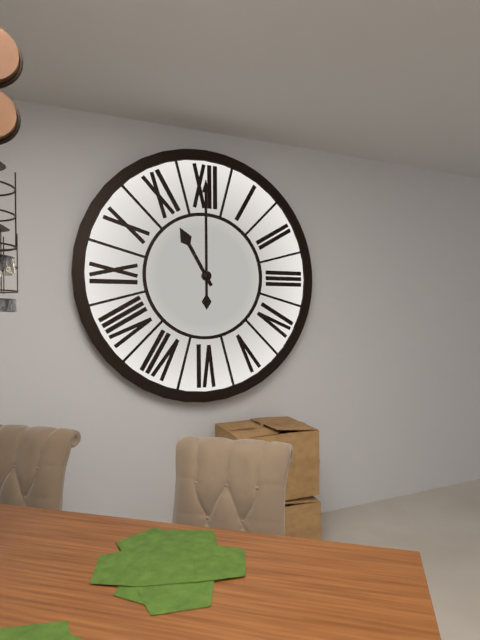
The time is 11h00
